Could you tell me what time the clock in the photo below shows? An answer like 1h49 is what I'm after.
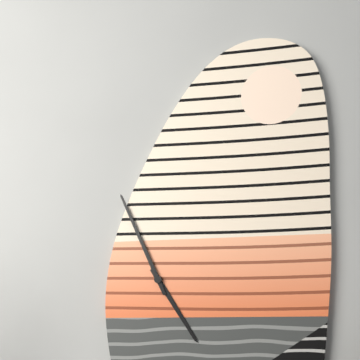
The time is 4h56
